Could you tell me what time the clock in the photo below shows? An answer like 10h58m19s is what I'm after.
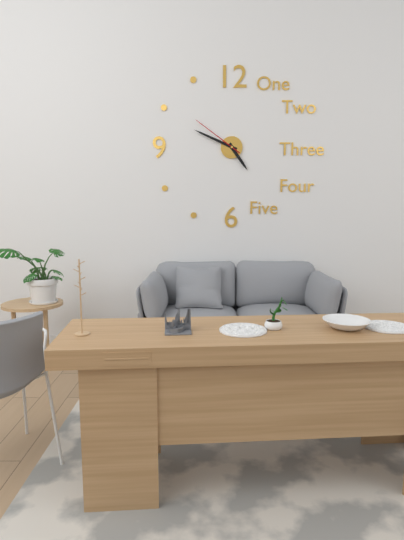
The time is 4h49m51s
